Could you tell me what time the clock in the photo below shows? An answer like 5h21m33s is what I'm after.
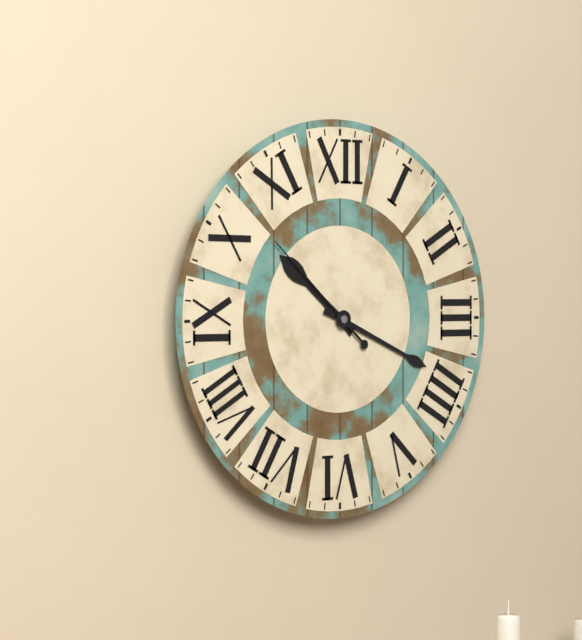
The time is 10h19m52s
